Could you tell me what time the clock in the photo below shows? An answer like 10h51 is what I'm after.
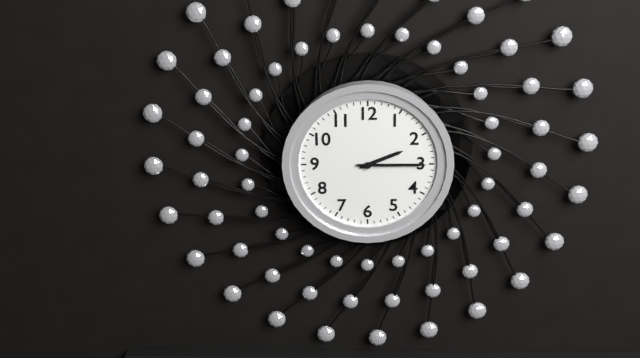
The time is 2h15
